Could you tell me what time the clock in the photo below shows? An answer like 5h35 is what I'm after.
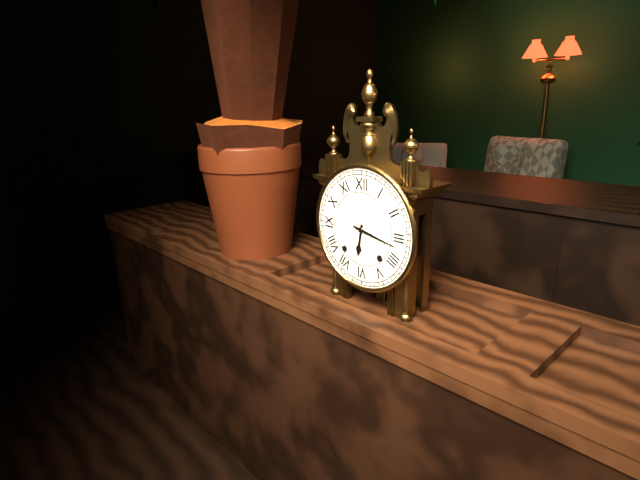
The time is 6h17
